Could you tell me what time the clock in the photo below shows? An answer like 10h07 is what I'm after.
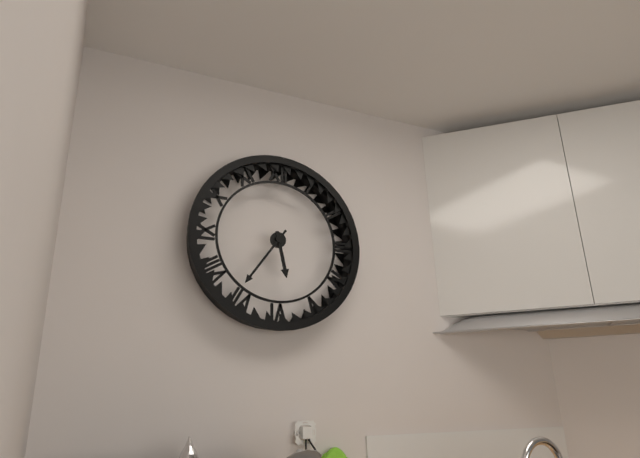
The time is 5h36
